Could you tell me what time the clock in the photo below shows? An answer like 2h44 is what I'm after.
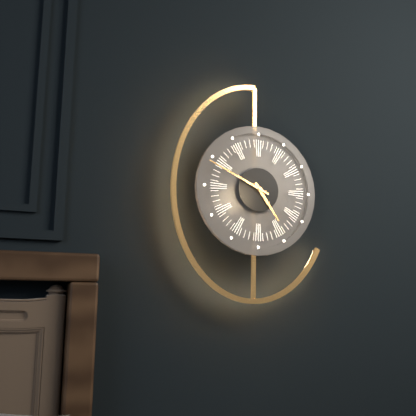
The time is 4h49
